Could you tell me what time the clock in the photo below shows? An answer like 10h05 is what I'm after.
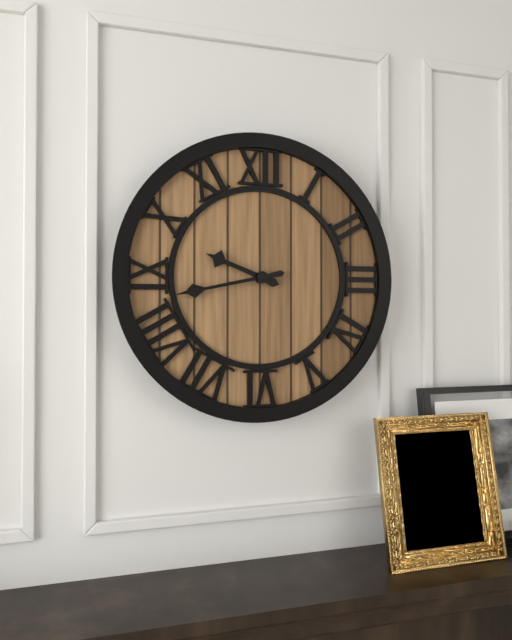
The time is 9h43
